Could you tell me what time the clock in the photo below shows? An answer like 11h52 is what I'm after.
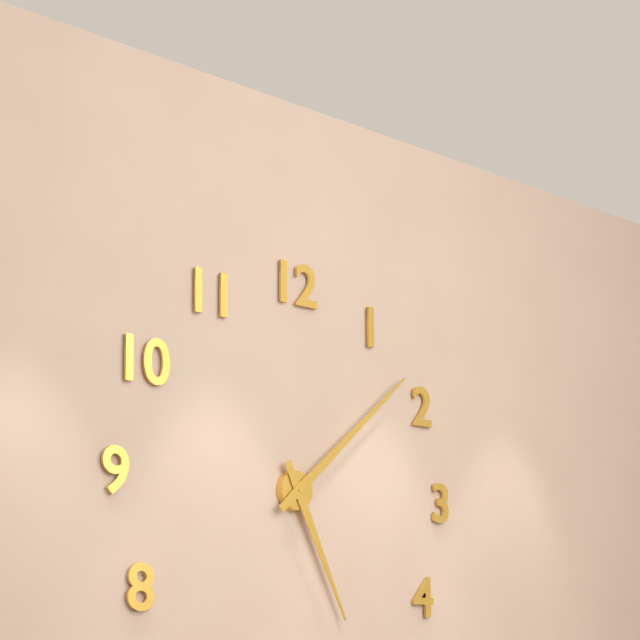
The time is 5h08
